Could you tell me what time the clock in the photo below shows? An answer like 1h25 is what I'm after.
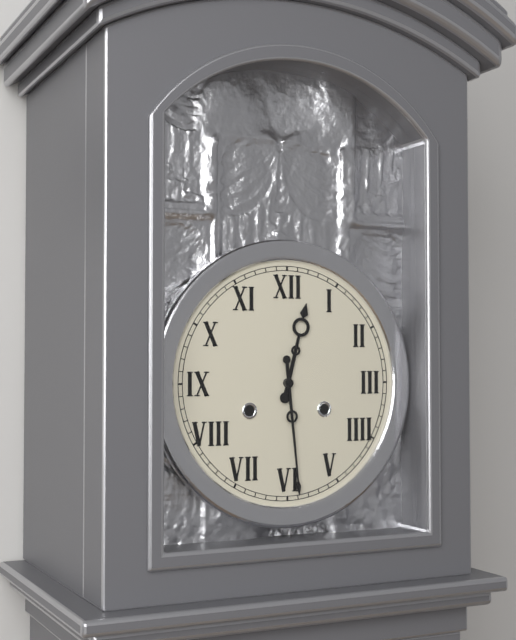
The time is 12h29
